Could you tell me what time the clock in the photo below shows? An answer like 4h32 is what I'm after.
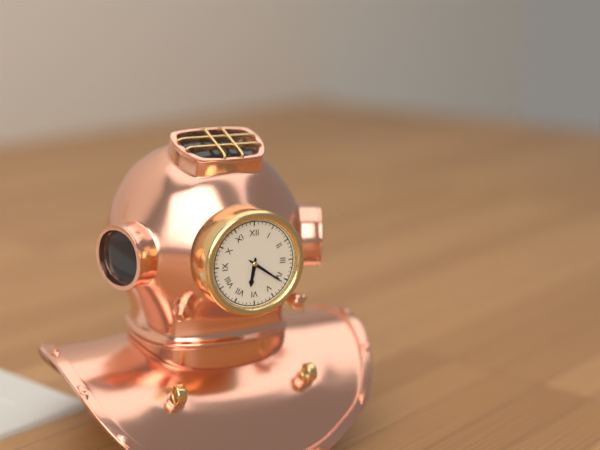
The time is 6h21
